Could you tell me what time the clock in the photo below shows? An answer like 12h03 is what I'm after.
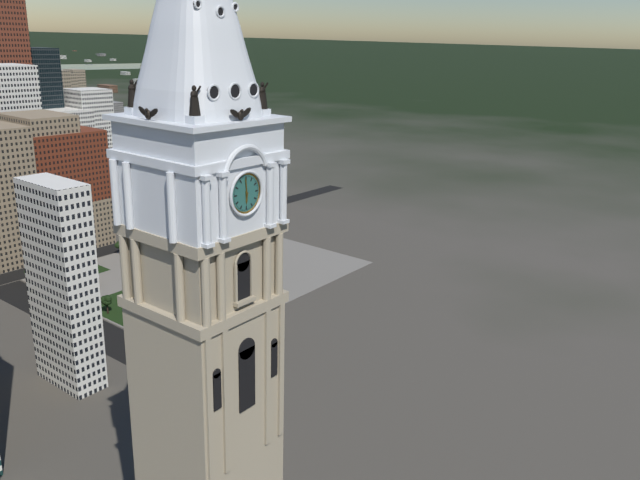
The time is 5h59
